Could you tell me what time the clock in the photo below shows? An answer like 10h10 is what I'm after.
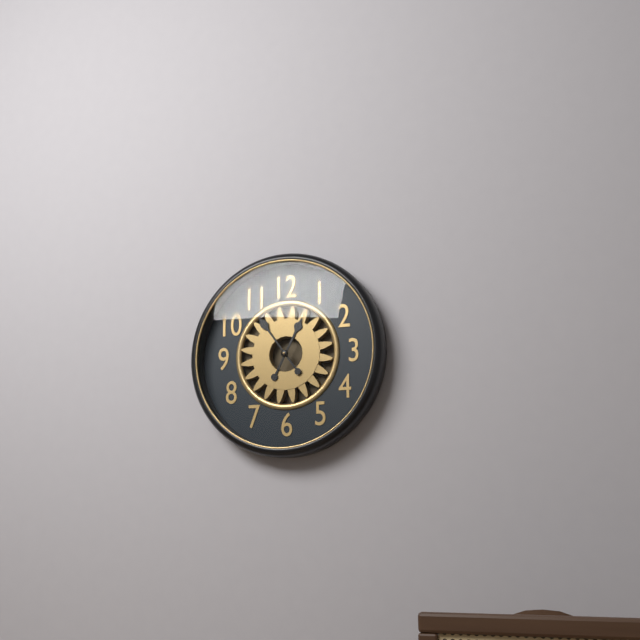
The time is 12h54
